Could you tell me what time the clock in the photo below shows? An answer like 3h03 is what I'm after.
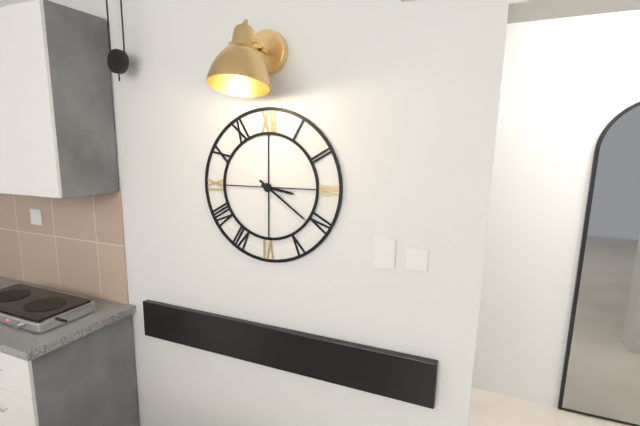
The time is 3h21
